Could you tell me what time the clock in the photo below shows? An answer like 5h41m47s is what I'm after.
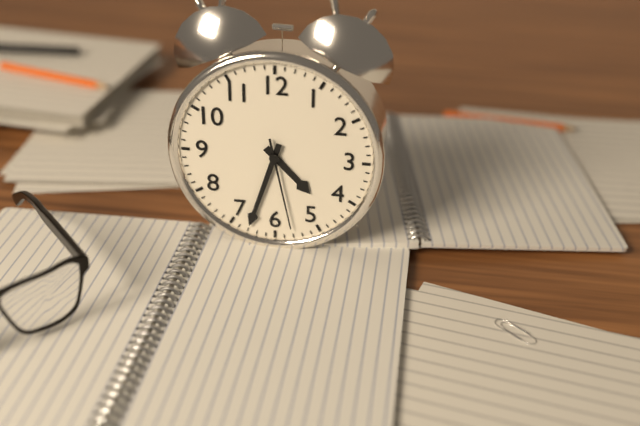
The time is 4h33m28s
